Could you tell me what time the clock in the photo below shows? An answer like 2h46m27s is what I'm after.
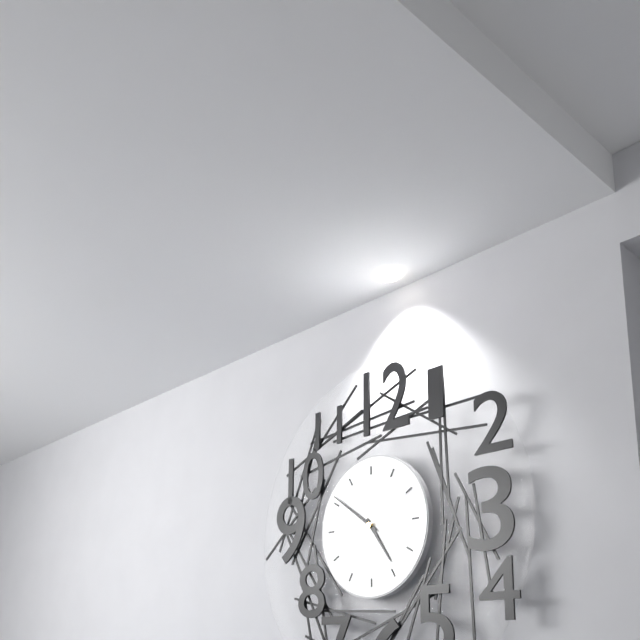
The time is 4h51m10s
